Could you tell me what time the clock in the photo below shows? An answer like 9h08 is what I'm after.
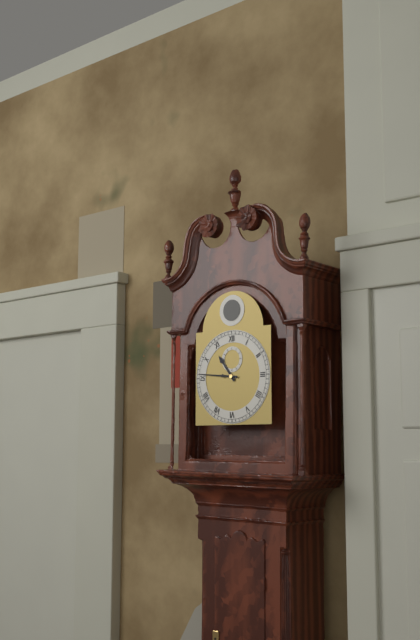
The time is 10h46
